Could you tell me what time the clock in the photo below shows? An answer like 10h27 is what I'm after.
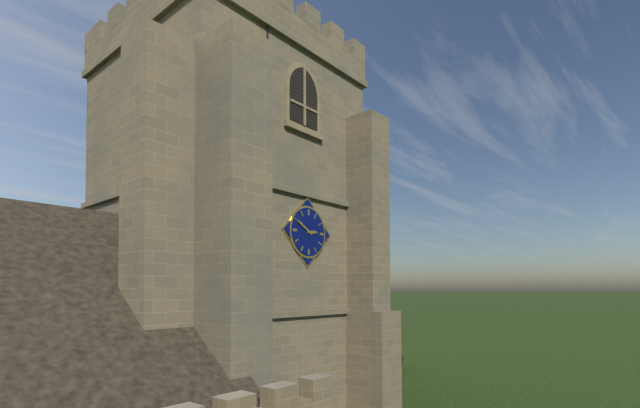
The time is 2h50
